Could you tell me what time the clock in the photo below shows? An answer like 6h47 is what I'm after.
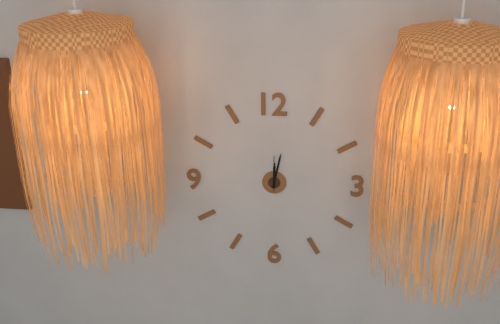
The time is 12h02
